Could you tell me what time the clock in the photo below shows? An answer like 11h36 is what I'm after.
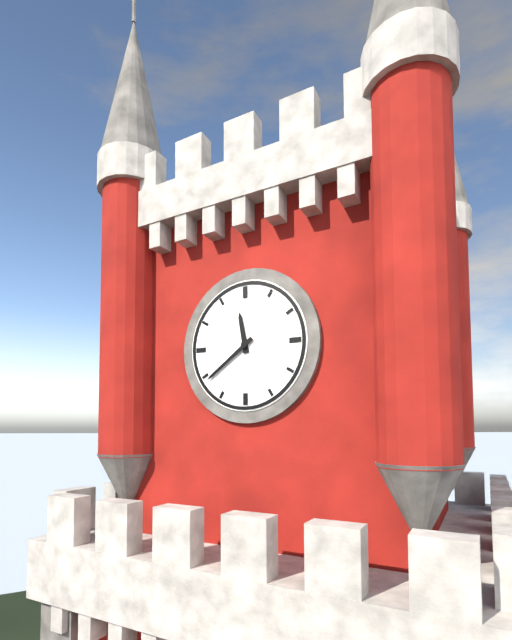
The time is 11h39
